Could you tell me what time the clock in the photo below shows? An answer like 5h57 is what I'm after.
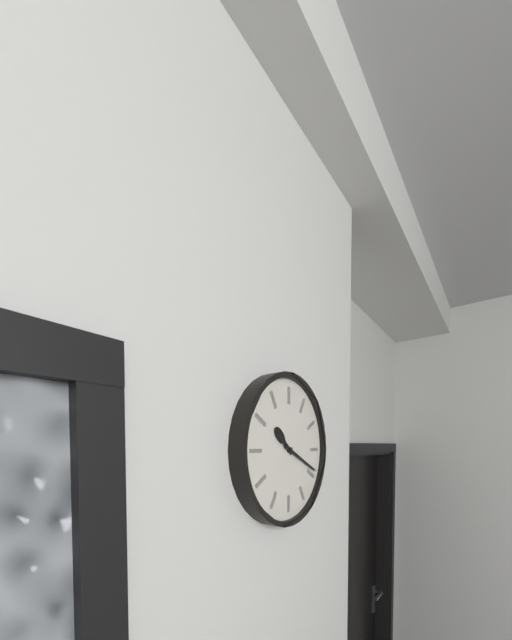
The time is 10h19
